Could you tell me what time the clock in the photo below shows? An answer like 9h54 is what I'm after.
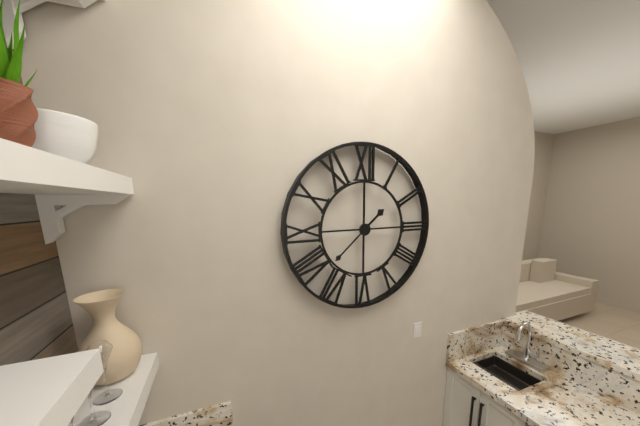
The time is 1h38
